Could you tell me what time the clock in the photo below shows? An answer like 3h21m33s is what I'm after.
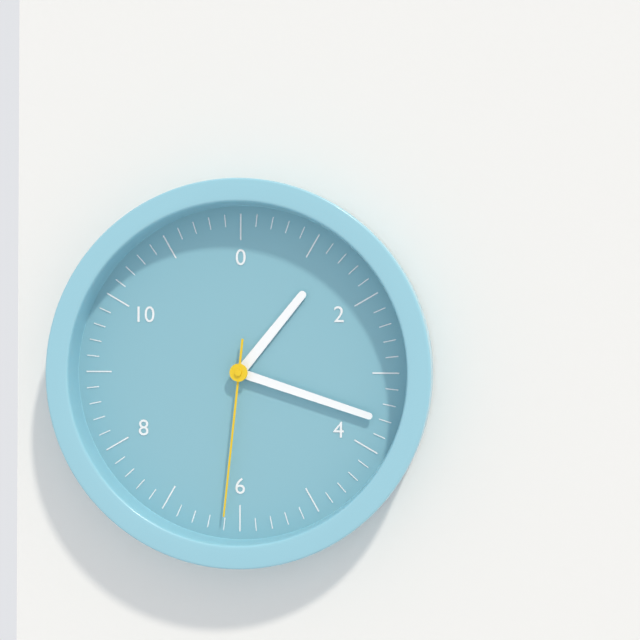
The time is 1h18m31s
